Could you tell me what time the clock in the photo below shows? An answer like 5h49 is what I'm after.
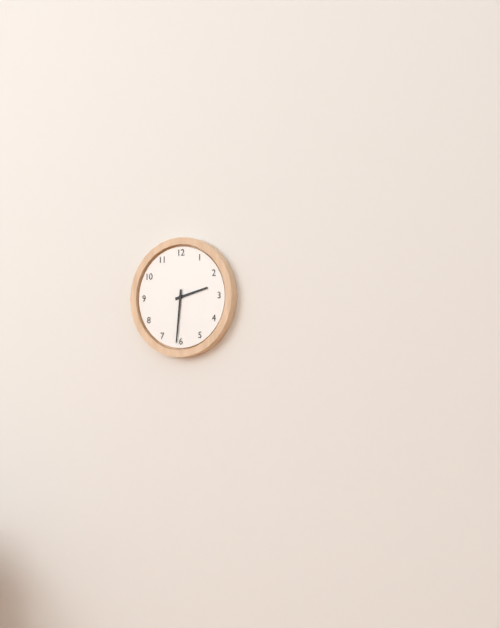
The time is 2h31
